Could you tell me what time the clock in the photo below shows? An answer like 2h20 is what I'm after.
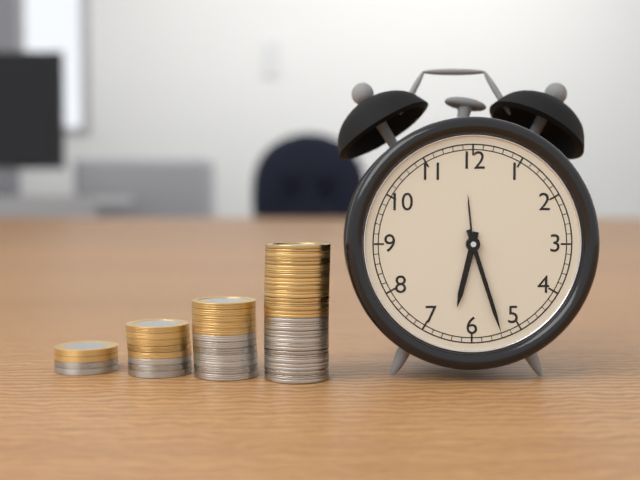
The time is 6h27
